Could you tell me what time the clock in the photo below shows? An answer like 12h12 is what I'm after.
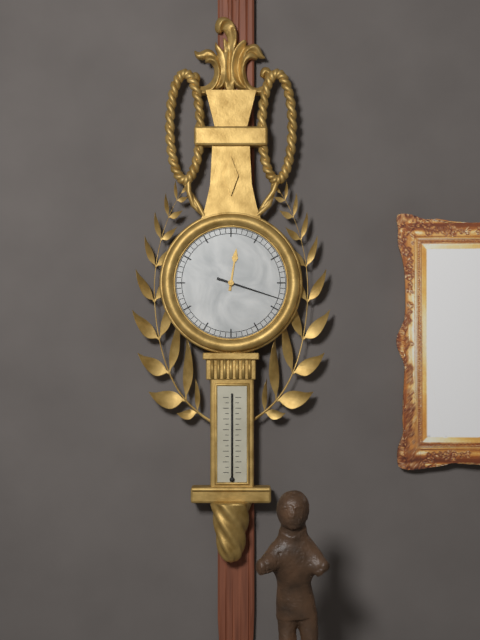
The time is 12h18
